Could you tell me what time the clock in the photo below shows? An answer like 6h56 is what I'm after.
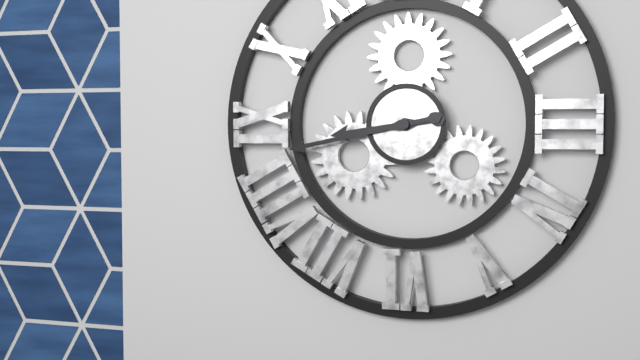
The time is 8h43
